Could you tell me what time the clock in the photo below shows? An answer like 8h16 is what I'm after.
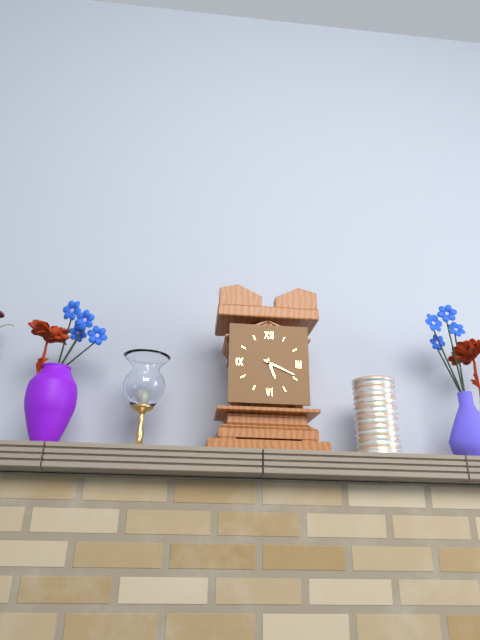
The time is 5h19
